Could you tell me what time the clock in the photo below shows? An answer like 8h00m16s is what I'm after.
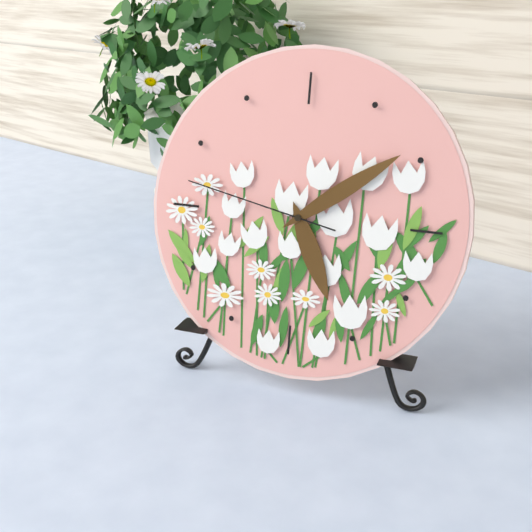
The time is 5h09m47s
